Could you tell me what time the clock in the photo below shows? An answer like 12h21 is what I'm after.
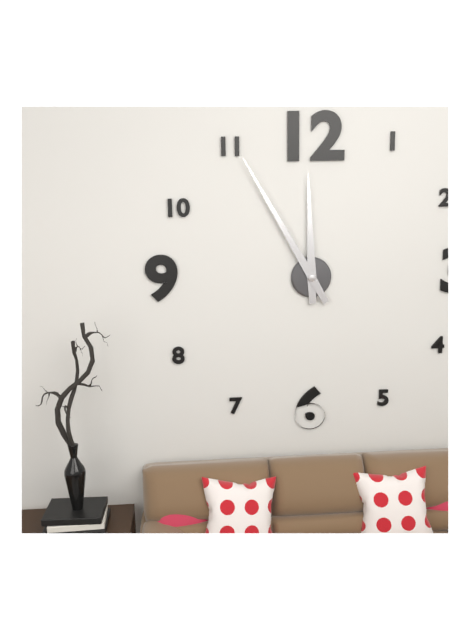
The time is 11h55
